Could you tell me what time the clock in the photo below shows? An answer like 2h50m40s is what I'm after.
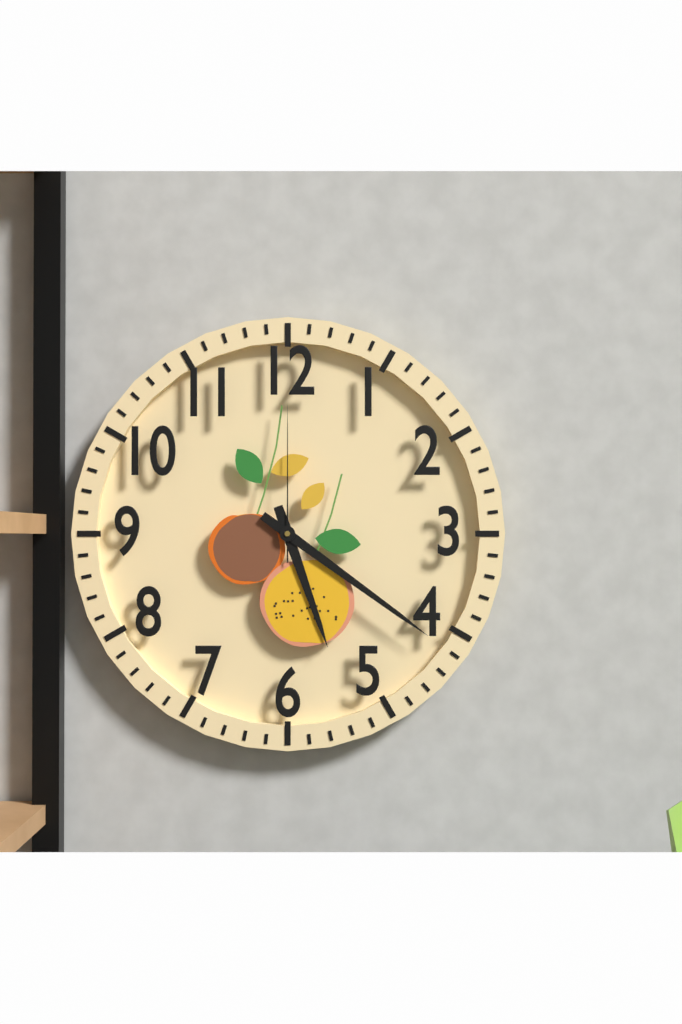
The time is 5h21m00s
